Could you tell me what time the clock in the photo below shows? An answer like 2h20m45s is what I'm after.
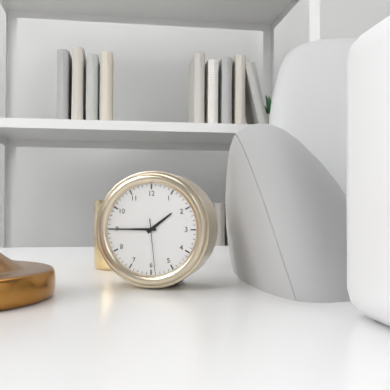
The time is 1h45m29s
